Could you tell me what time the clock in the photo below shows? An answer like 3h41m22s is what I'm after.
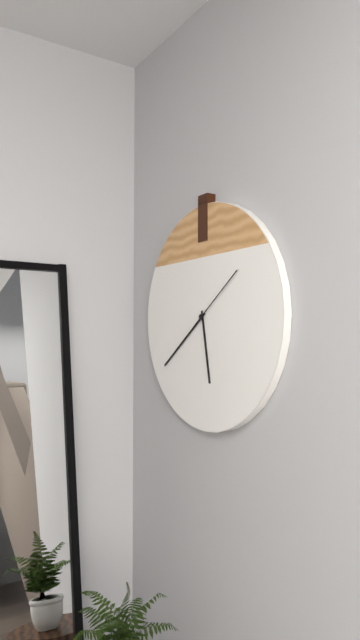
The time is 5h39m09s
